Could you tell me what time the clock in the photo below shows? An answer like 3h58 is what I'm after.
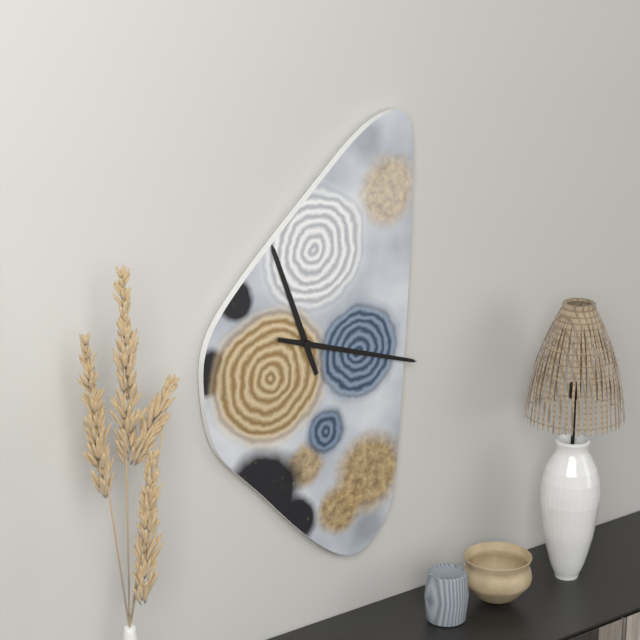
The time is 11h18
